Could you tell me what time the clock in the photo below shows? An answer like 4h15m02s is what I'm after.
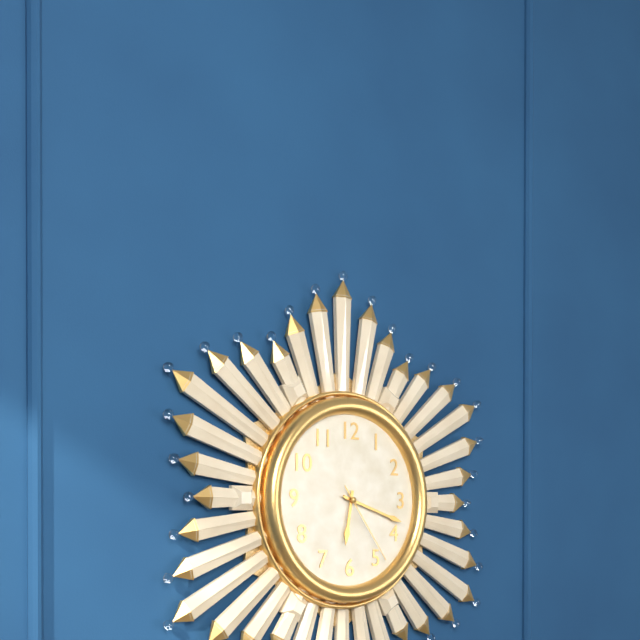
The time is 6h18m24s
